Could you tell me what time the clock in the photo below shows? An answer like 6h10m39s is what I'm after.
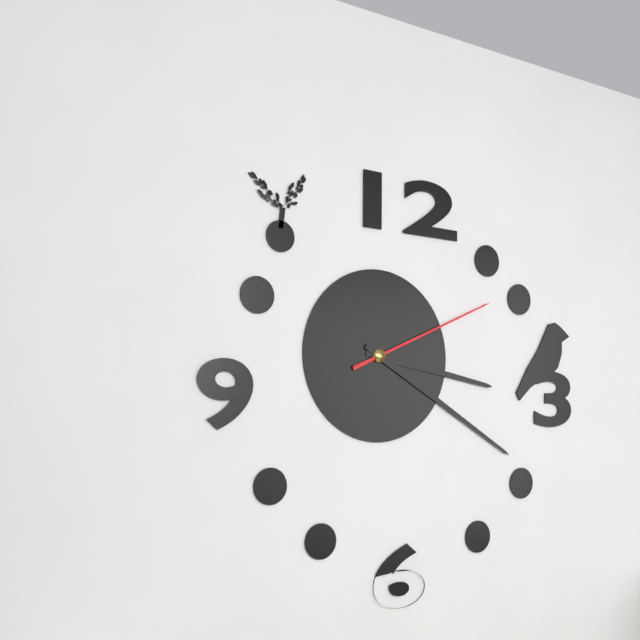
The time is 3h20m11s
